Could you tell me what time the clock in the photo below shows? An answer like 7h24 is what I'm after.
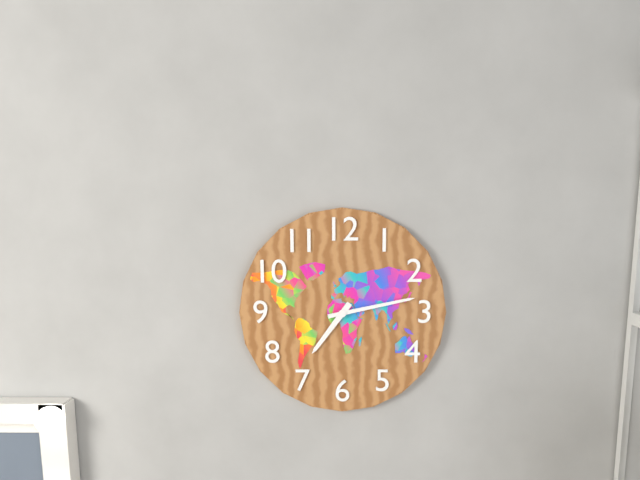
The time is 7h13
